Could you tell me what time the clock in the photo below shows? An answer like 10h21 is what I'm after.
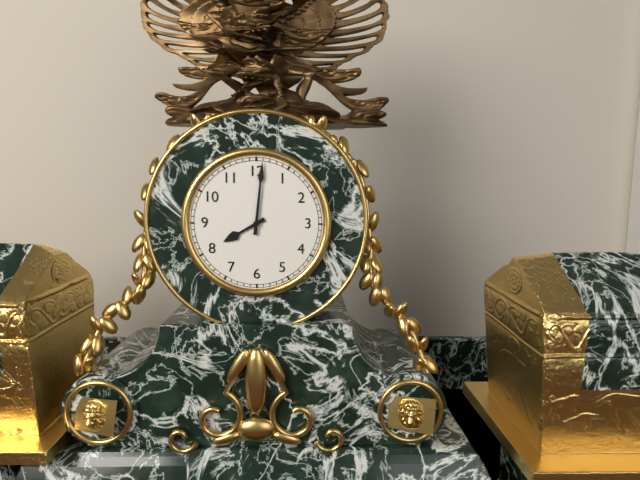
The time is 8h01
